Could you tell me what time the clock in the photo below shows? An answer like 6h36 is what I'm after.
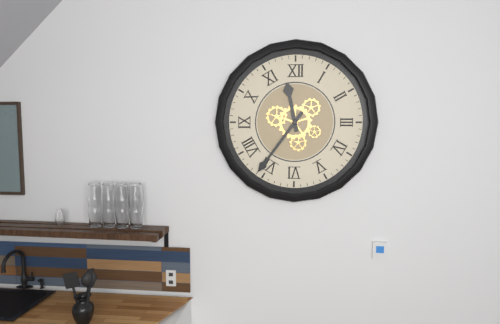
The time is 11h36
